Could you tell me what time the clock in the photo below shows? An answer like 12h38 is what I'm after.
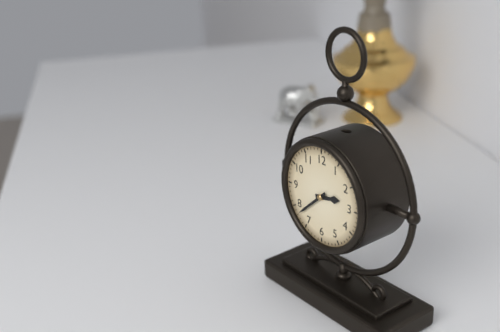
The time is 2h38
